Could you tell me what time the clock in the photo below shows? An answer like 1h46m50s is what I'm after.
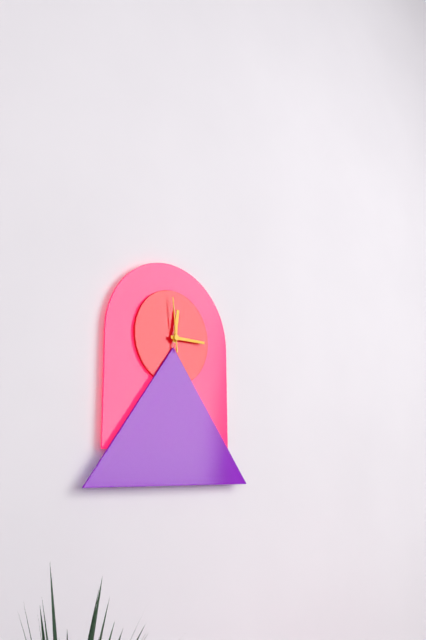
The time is 12h15m59s
